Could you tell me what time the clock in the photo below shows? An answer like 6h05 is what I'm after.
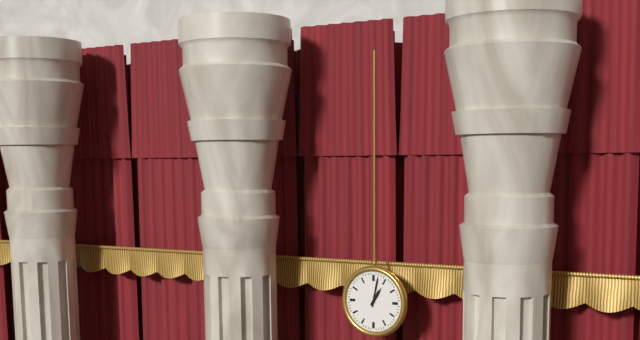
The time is 1h02
